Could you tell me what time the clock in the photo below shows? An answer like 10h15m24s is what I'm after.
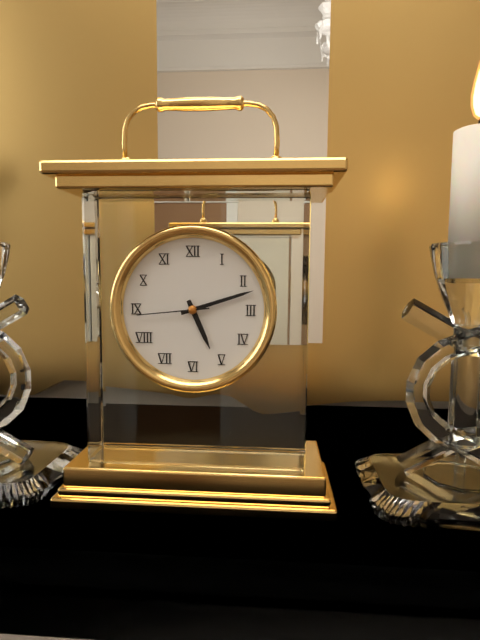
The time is 5h12m44s
